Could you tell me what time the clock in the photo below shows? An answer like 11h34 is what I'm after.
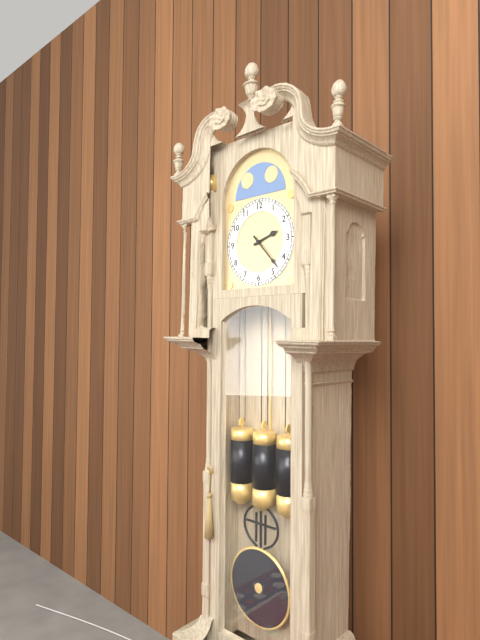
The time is 2h23
